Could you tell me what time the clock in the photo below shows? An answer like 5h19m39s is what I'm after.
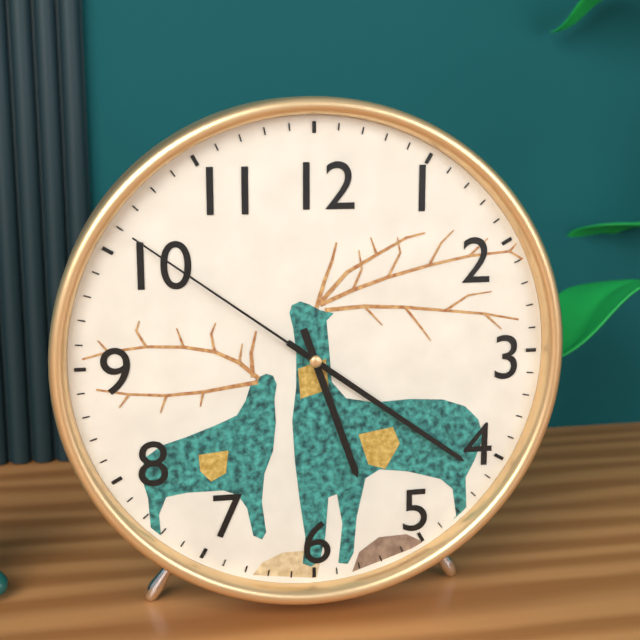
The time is 5h21m51s
